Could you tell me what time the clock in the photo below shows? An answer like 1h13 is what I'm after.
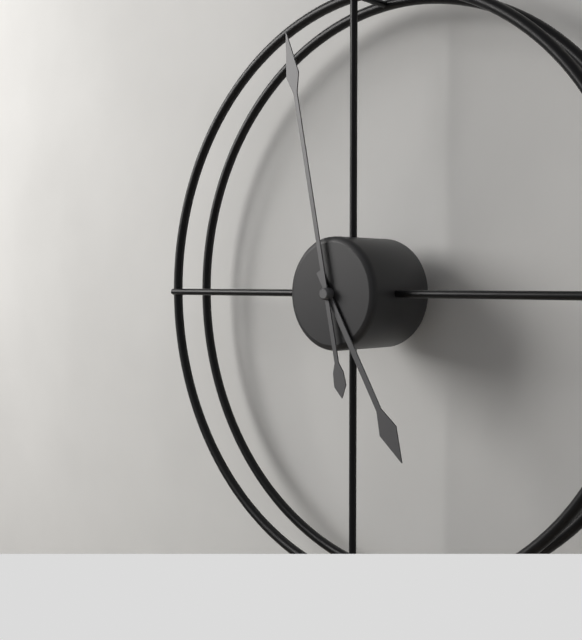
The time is 4h58
